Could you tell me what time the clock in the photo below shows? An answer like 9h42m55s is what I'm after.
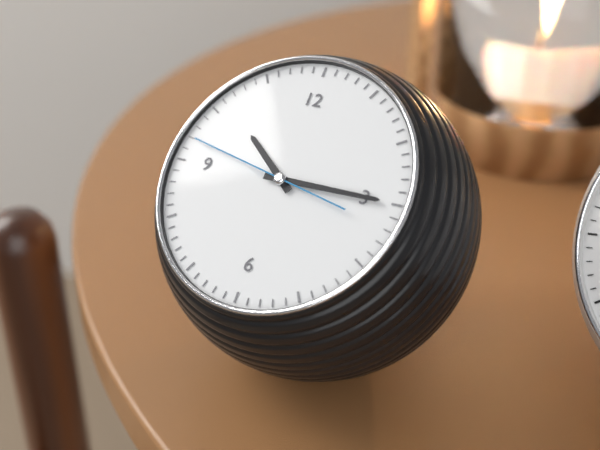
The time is 10h15m47s
